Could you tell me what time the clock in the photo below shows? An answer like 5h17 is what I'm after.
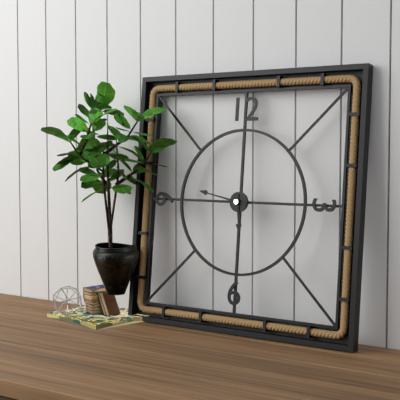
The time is 5h47
